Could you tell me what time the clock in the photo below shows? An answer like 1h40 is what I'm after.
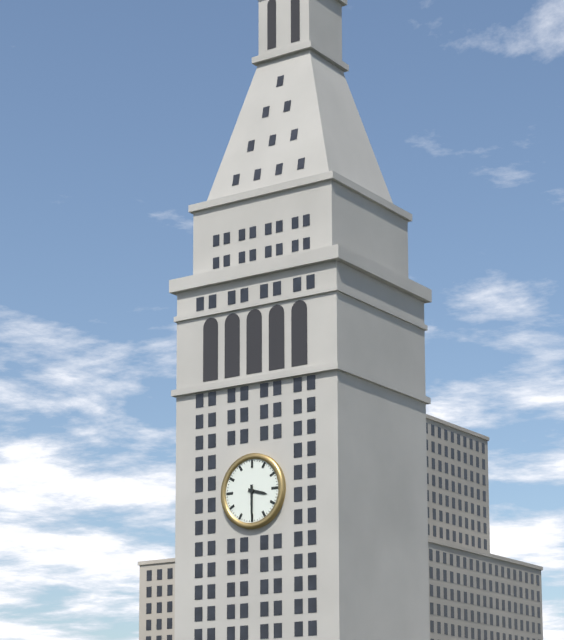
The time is 3h30
